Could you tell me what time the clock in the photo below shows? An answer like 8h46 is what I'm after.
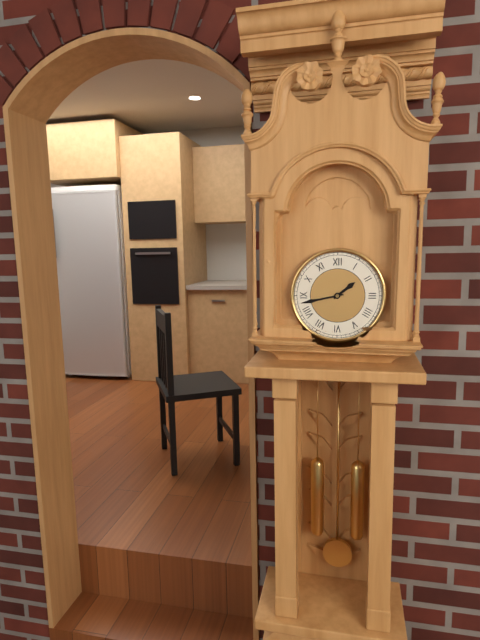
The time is 1h43
